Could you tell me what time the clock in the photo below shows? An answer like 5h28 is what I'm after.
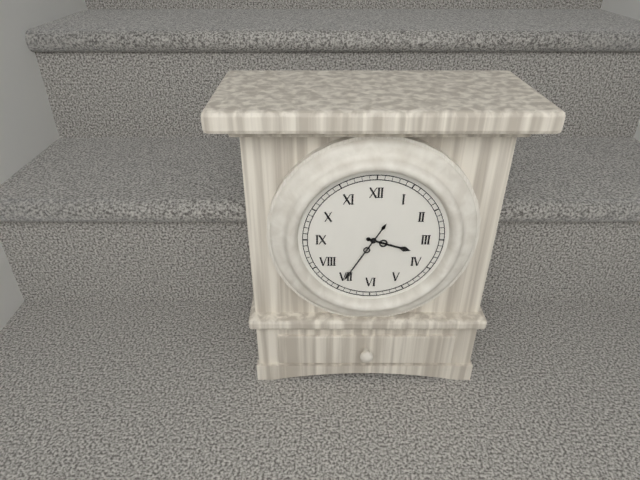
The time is 3h35
